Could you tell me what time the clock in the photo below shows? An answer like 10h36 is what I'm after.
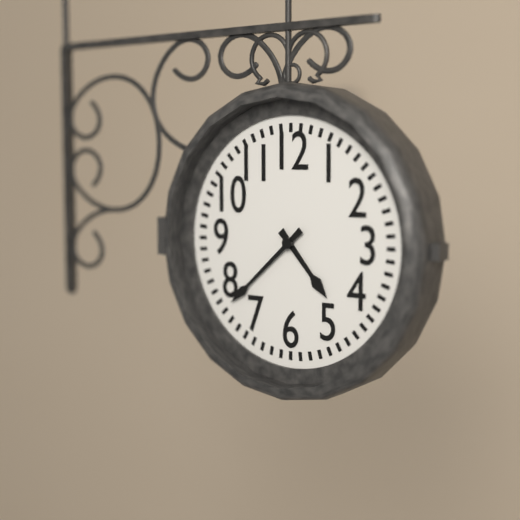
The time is 4h38
